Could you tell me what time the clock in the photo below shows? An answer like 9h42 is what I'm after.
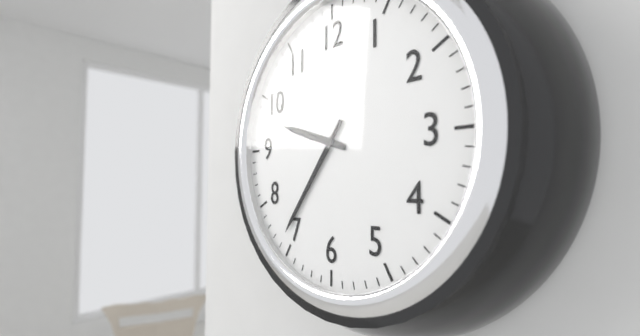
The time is 9h36
